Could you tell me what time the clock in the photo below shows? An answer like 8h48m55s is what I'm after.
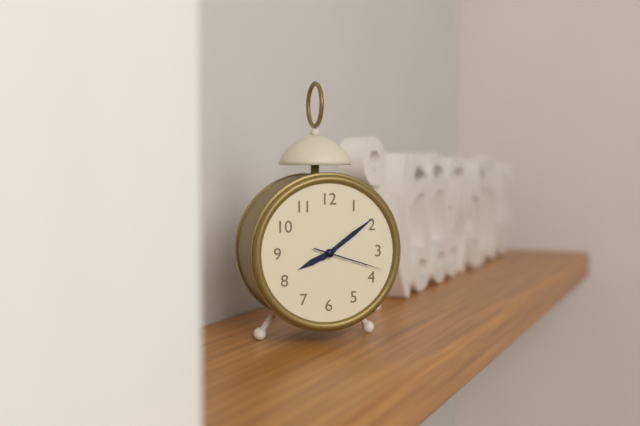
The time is 8h09m18s
